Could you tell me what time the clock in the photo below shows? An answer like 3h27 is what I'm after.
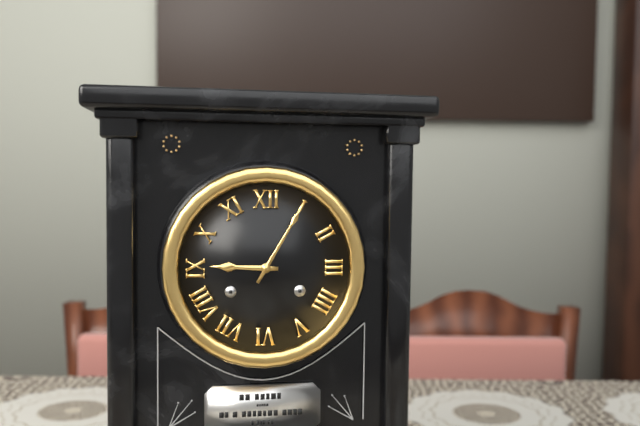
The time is 9h05
